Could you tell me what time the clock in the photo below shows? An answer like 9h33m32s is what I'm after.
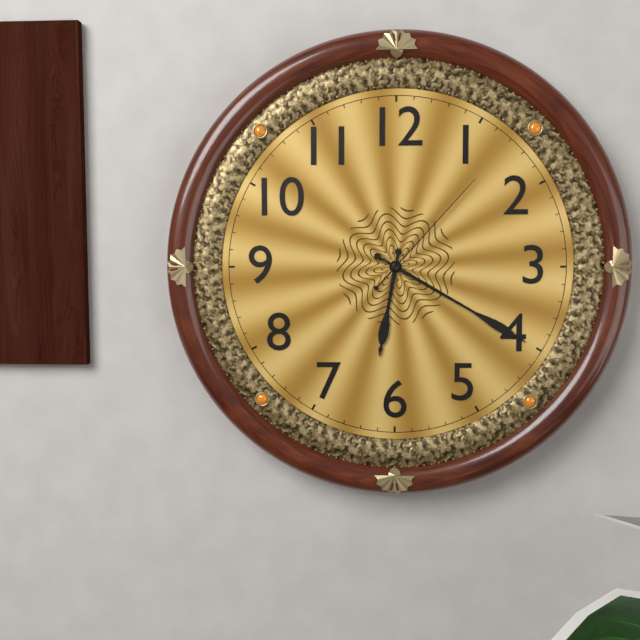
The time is 6h20m07s
